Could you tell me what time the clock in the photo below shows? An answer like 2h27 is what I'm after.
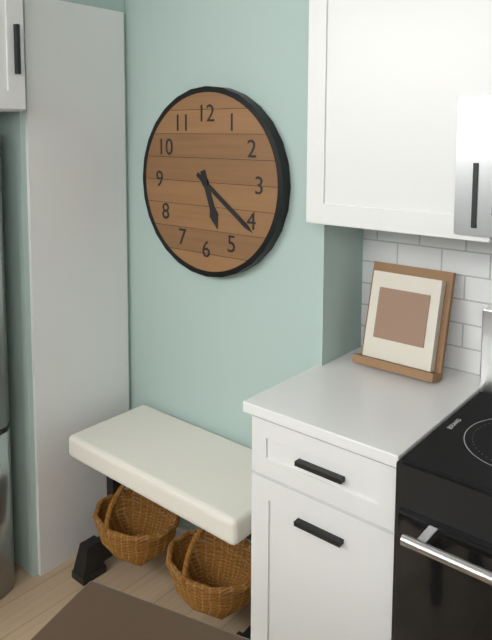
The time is 5h21
